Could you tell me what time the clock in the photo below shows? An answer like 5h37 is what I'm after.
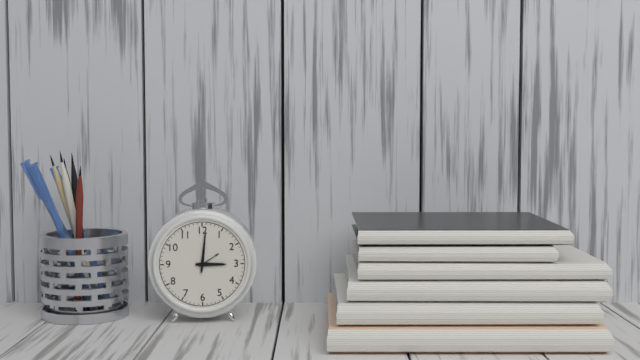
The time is 3h01
